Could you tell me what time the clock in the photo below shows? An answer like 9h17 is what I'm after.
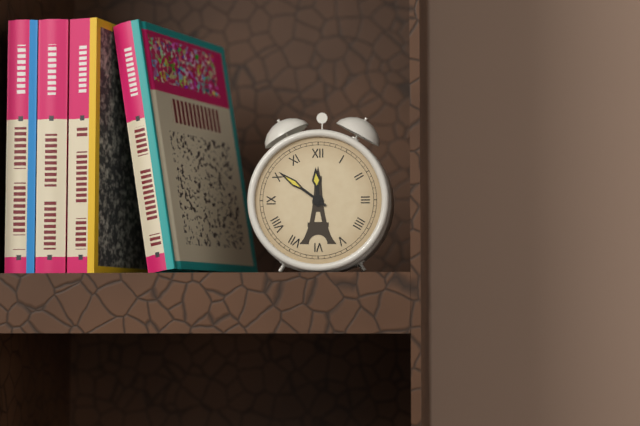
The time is 11h51
